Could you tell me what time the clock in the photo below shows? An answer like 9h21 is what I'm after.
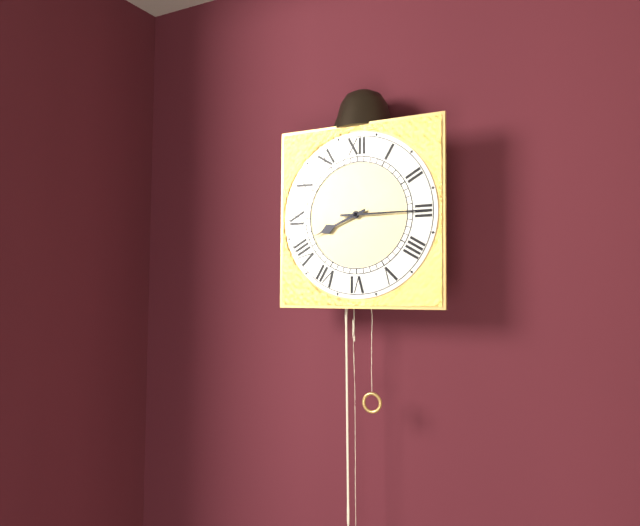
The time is 8h15
